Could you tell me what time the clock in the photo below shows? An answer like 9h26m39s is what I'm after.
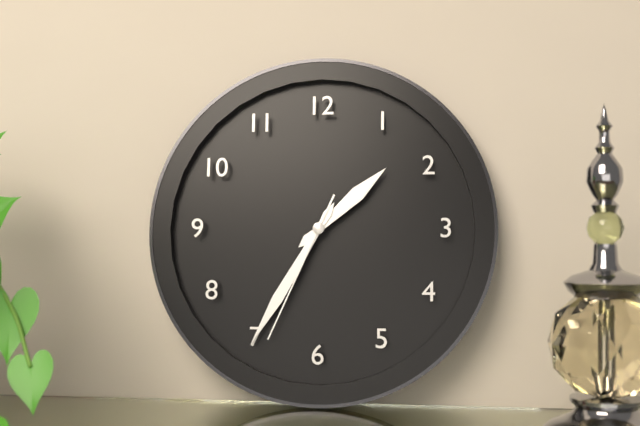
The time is 1h35m34s
